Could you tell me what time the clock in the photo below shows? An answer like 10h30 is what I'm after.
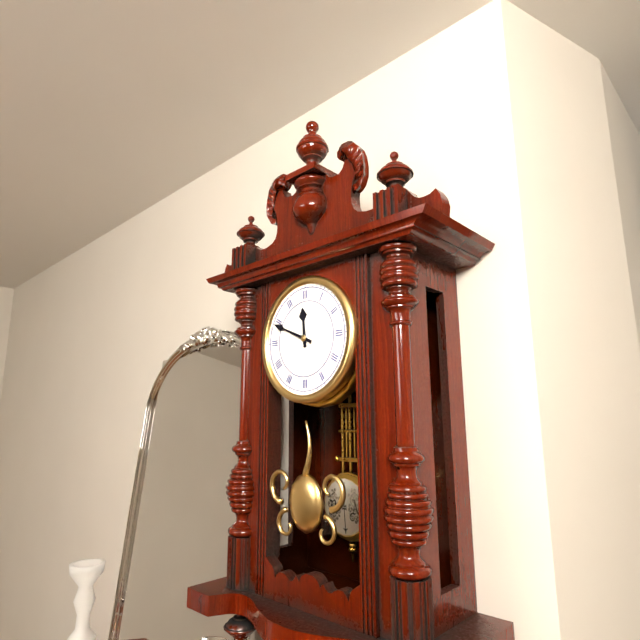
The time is 11h49
